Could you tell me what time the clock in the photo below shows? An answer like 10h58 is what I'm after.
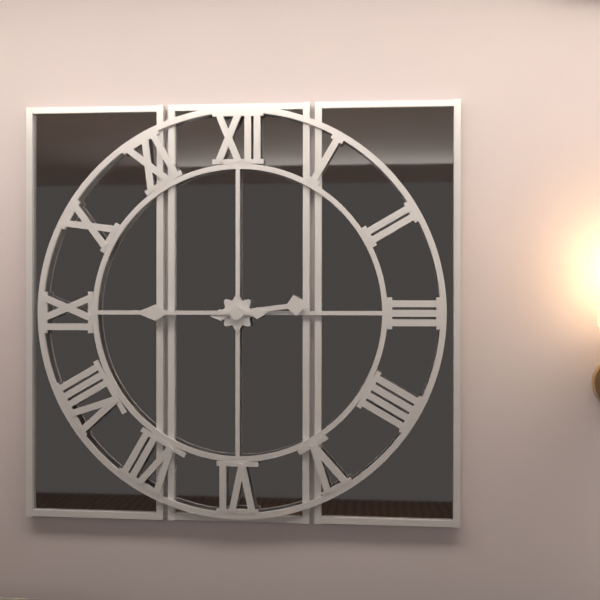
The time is 2h45
